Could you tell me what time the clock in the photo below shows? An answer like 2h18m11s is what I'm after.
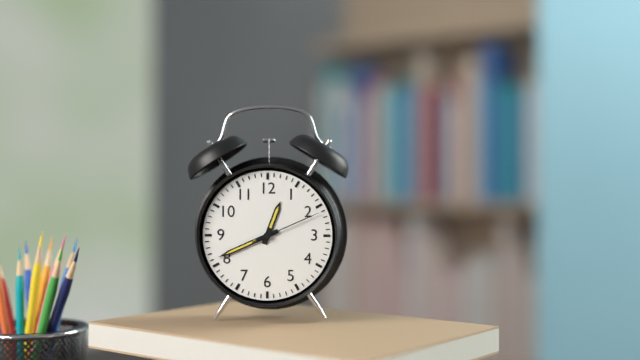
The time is 12h41m11s
